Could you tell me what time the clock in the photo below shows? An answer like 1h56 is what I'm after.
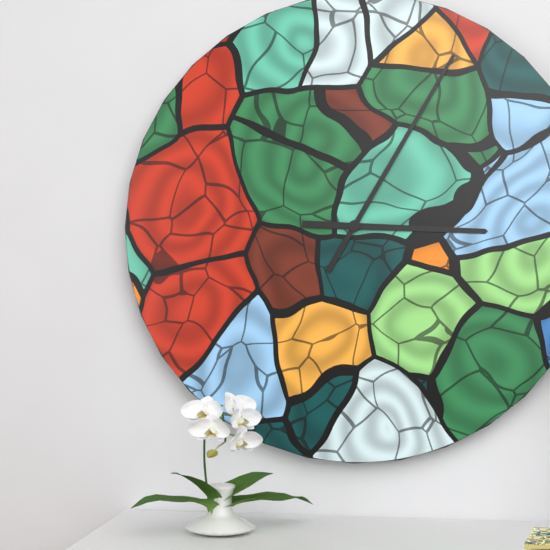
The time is 3h05
